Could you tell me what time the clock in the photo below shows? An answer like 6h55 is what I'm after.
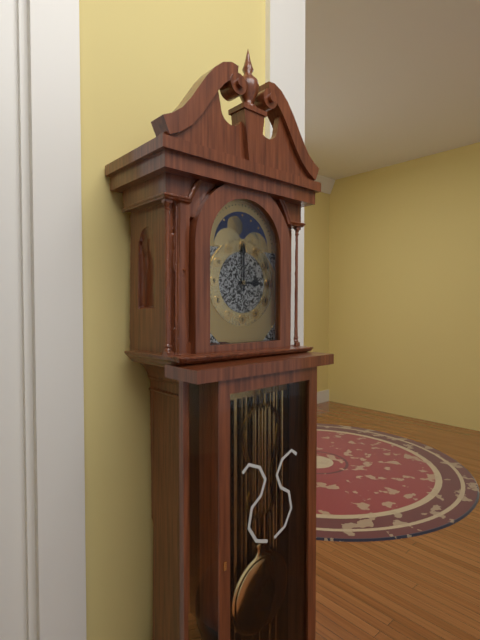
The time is 3h00
